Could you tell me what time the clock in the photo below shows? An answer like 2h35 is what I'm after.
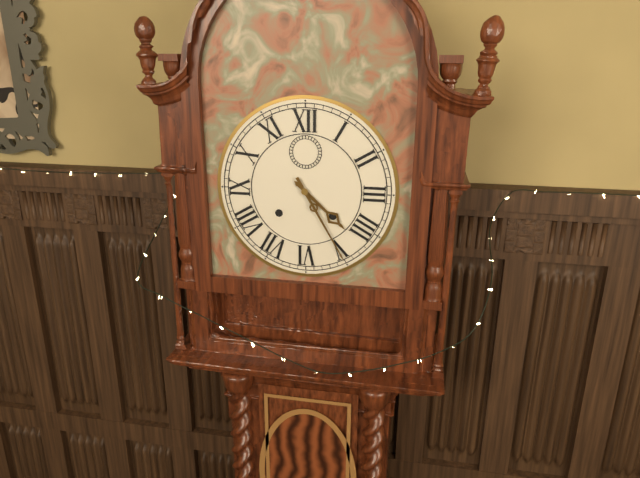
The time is 4h25
